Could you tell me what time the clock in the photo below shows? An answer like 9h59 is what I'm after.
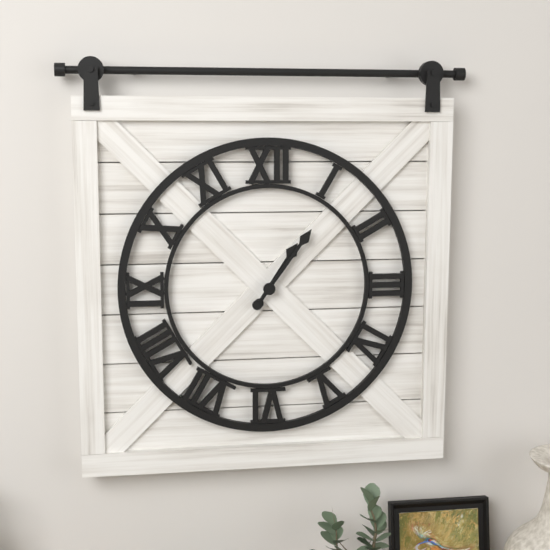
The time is 1h06
